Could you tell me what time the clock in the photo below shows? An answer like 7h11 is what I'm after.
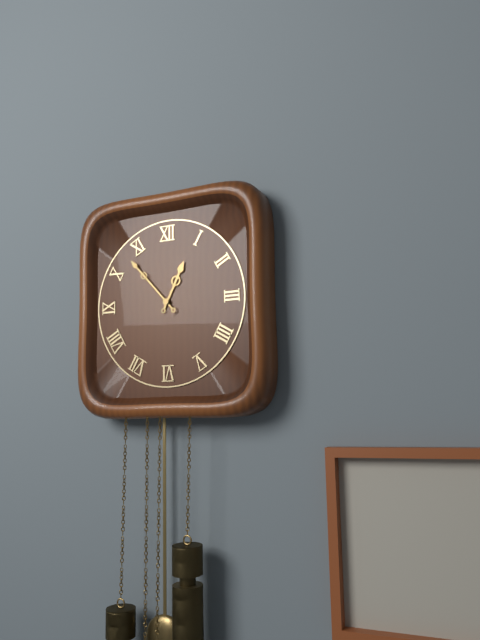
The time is 12h53
